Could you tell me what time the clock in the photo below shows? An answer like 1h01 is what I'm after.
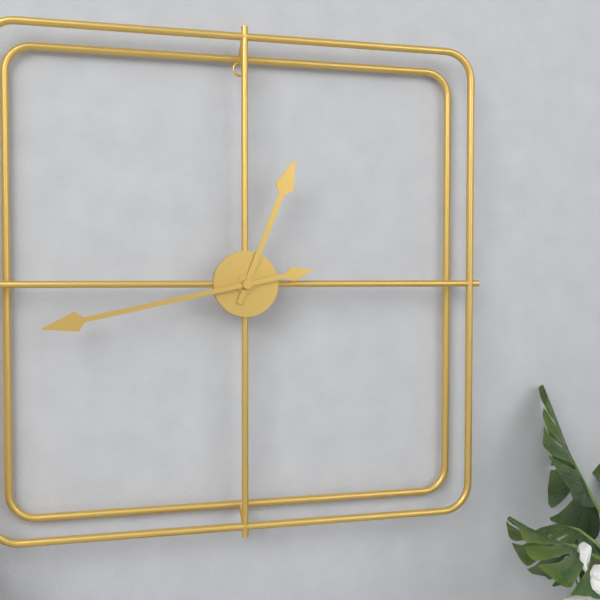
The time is 12h43
